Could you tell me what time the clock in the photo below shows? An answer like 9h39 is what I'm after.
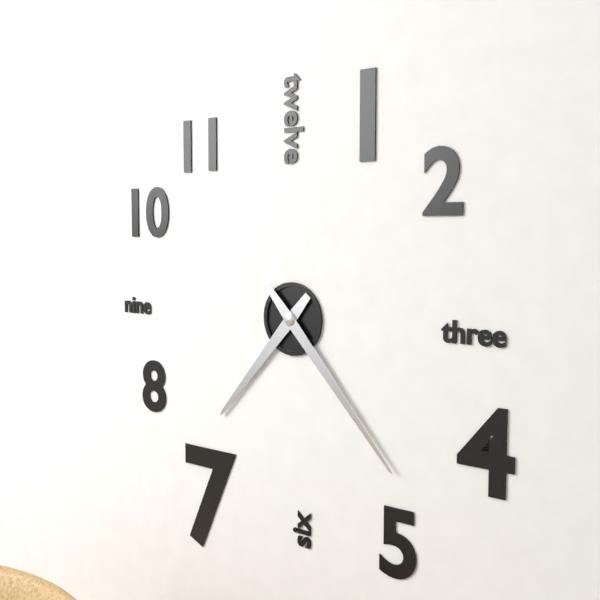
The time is 7h23
